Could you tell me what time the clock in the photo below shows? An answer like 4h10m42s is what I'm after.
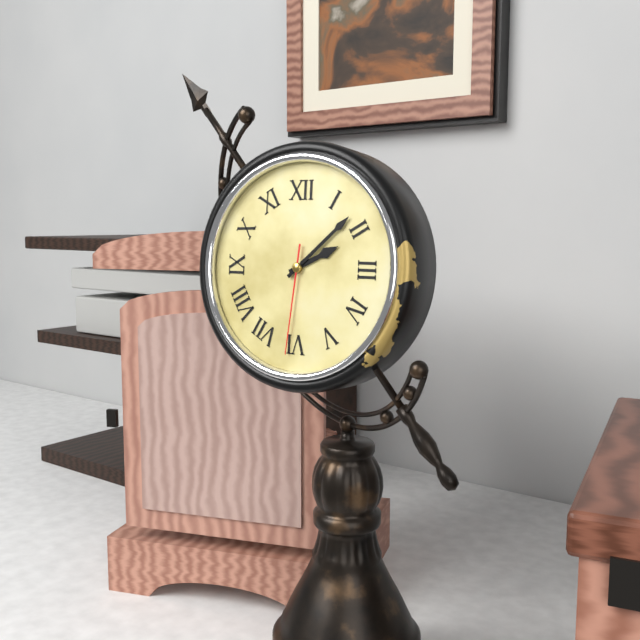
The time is 2h08m31s
